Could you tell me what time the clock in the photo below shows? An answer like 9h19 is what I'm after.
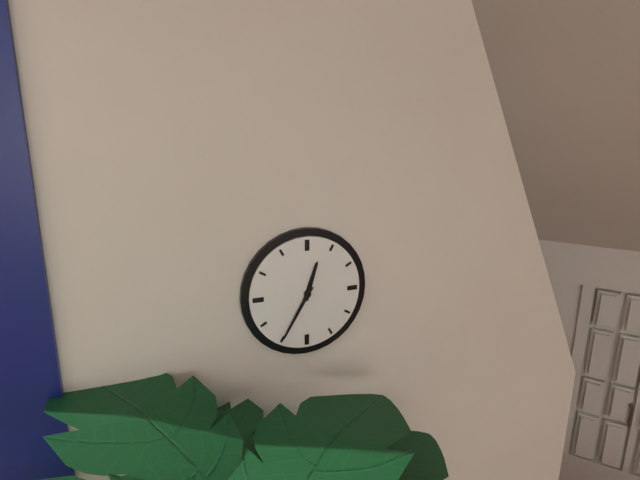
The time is 12h35
